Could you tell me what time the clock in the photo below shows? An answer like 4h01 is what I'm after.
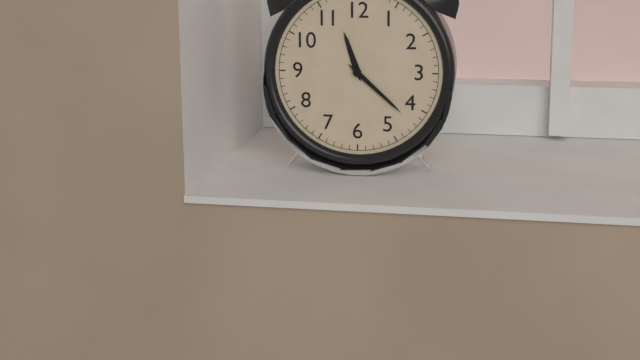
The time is 11h22
